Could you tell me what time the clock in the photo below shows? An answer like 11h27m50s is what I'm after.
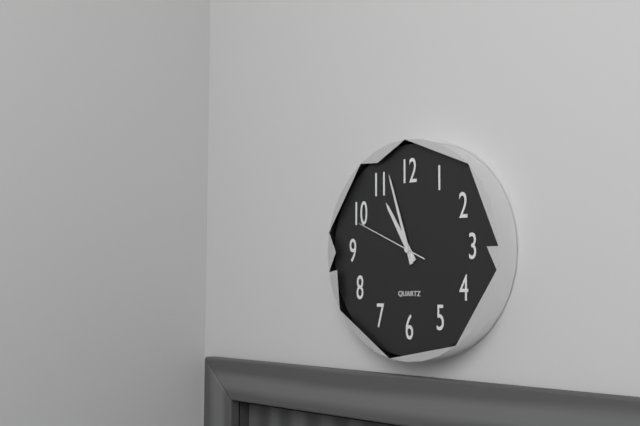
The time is 10h57m49s
